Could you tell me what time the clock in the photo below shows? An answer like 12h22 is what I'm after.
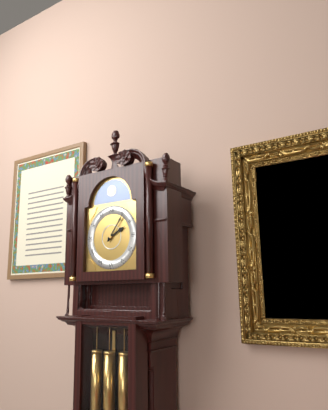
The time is 2h06
